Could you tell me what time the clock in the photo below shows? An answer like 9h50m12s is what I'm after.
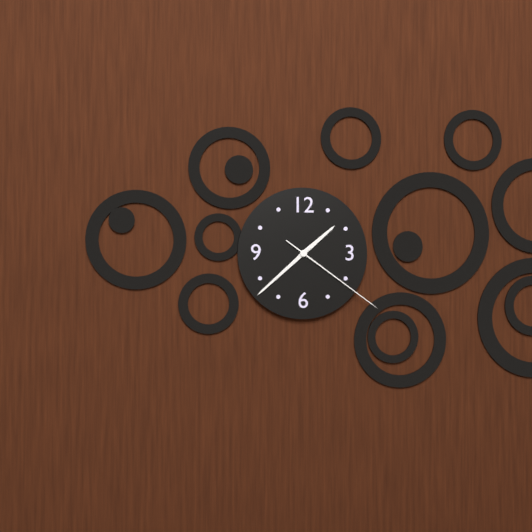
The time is 1h38m21s
